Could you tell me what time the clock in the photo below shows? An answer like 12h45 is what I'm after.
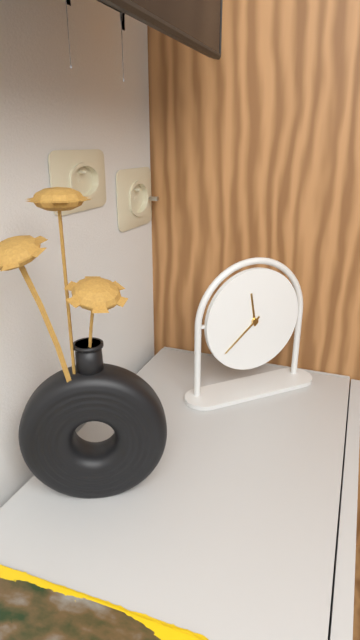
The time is 11h38
